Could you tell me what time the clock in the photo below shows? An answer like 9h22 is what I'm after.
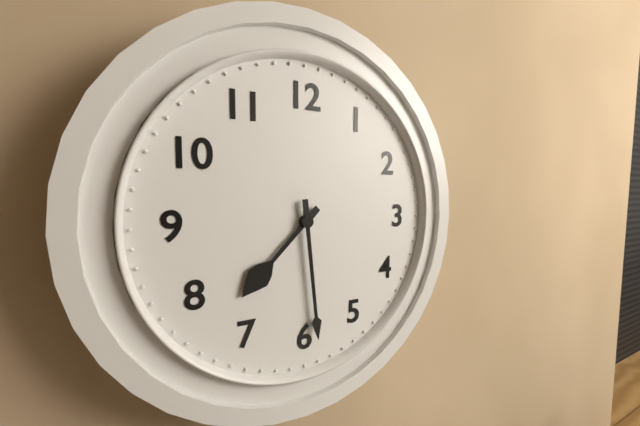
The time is 7h29
